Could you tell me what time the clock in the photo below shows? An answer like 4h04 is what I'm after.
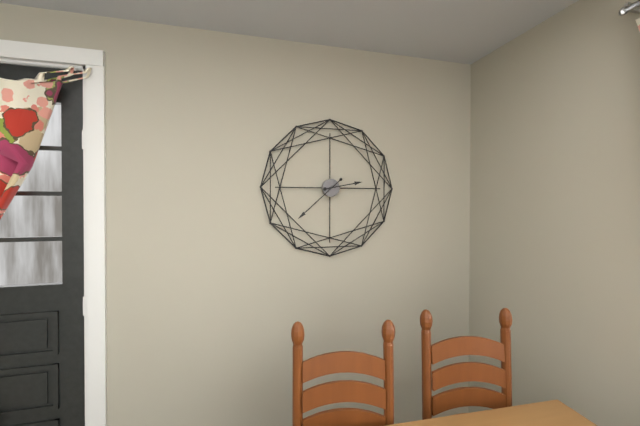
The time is 2h38
